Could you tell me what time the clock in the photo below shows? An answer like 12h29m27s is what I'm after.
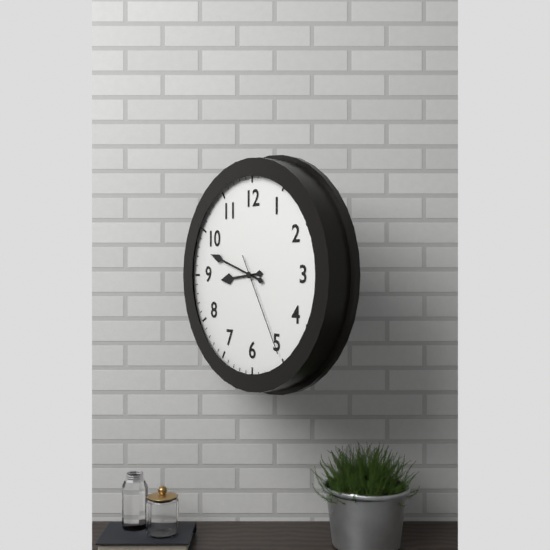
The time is 8h48m25s
